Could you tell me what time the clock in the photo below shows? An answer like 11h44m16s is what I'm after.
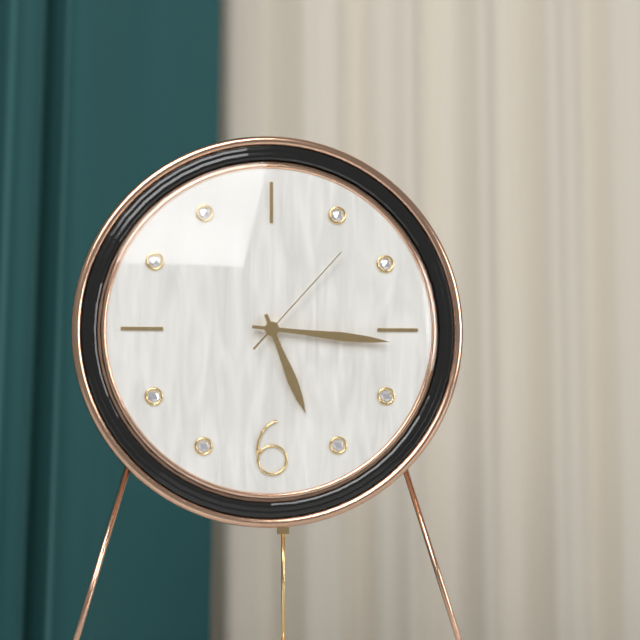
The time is 5h16m07s
